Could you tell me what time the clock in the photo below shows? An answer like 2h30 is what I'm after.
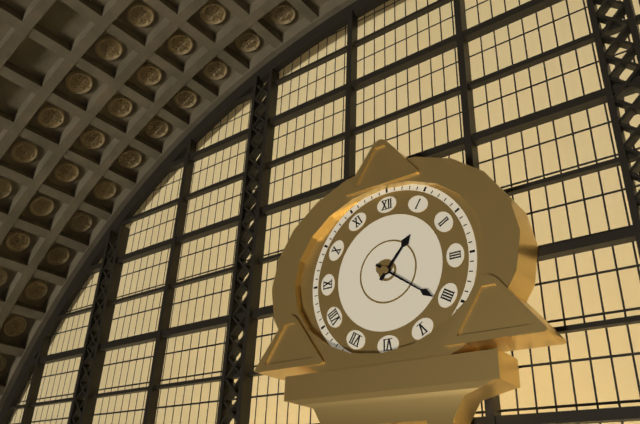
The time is 1h21
